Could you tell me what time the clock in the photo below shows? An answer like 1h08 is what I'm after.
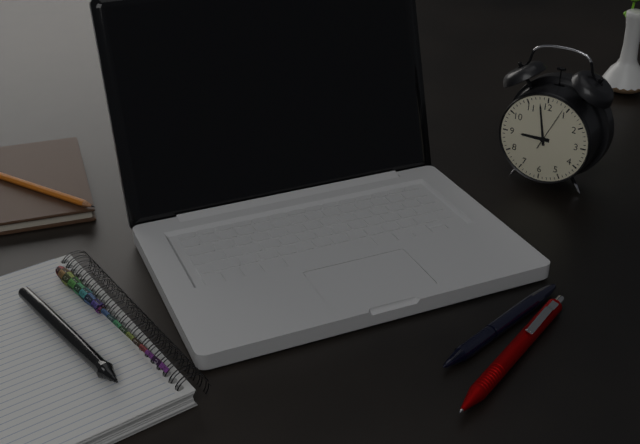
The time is 8h58
